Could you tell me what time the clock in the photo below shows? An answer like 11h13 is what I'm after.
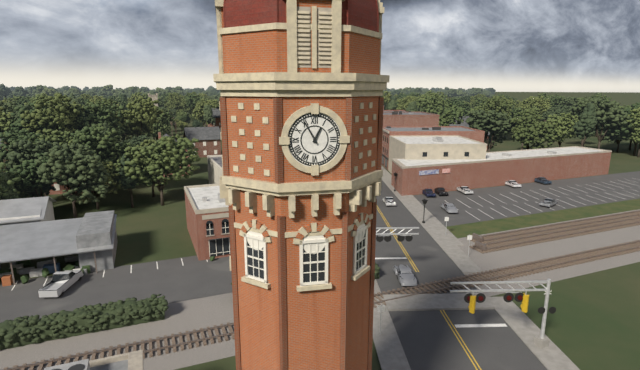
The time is 12h55
